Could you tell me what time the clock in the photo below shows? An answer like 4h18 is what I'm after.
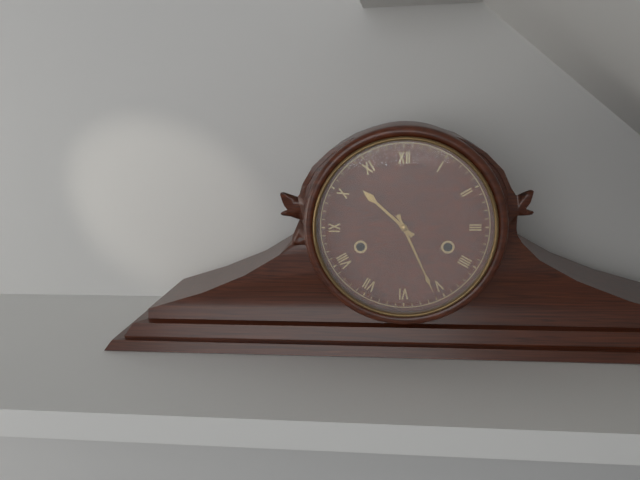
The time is 10h26
